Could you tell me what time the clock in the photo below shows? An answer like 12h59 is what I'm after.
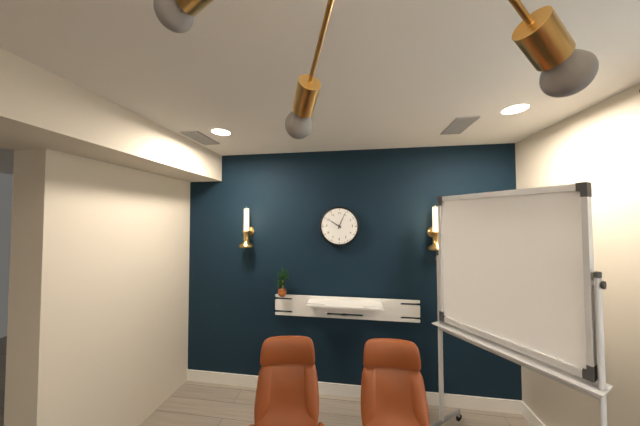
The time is 10h04
